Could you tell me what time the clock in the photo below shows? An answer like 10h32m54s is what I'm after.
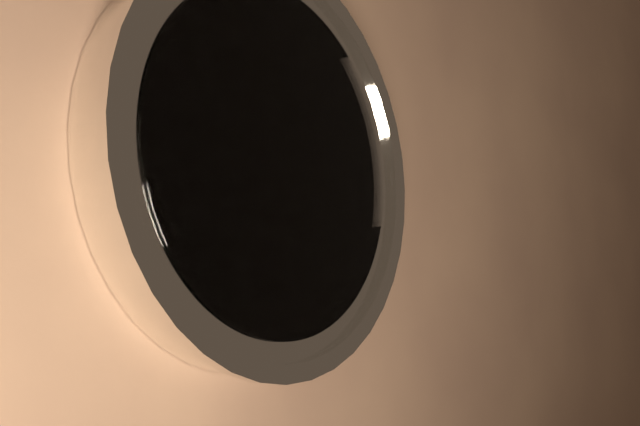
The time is 10h19m13s
